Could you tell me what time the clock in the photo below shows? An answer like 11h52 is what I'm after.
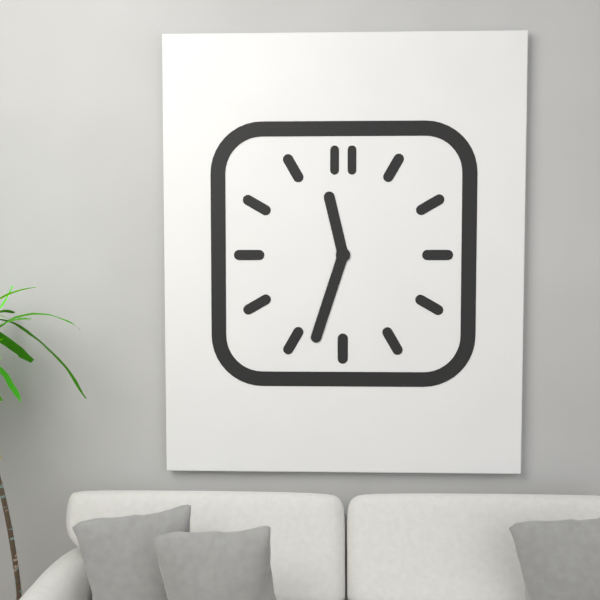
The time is 11h33
